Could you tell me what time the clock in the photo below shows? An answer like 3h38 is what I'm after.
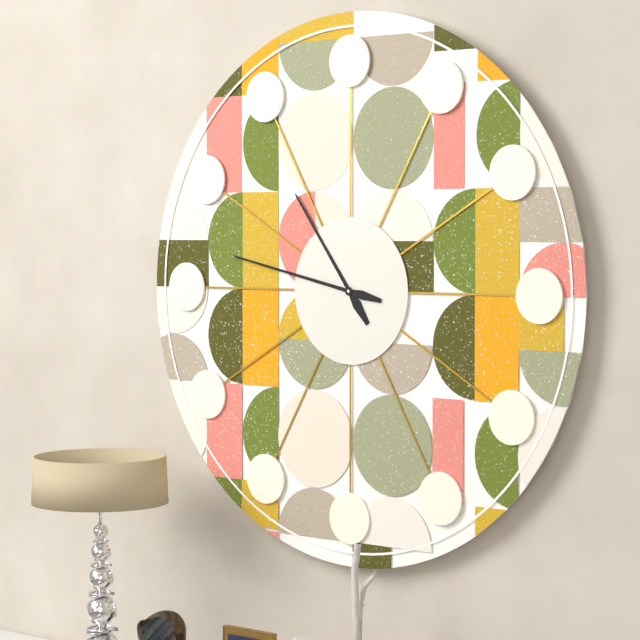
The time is 10h47
